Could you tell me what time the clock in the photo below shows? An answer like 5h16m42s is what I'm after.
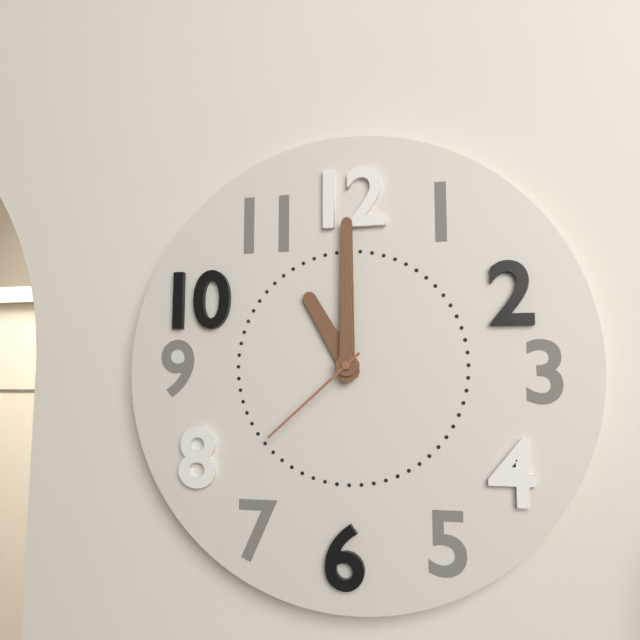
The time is 11h00m38s
